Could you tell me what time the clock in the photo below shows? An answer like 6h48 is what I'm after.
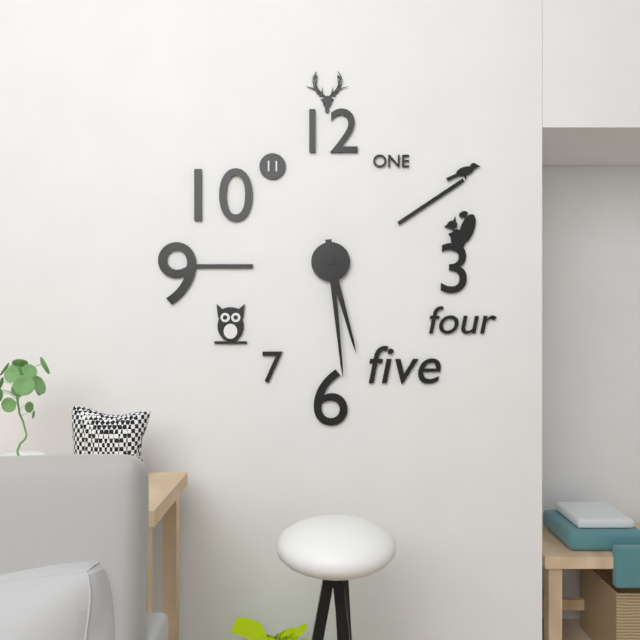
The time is 5h29
